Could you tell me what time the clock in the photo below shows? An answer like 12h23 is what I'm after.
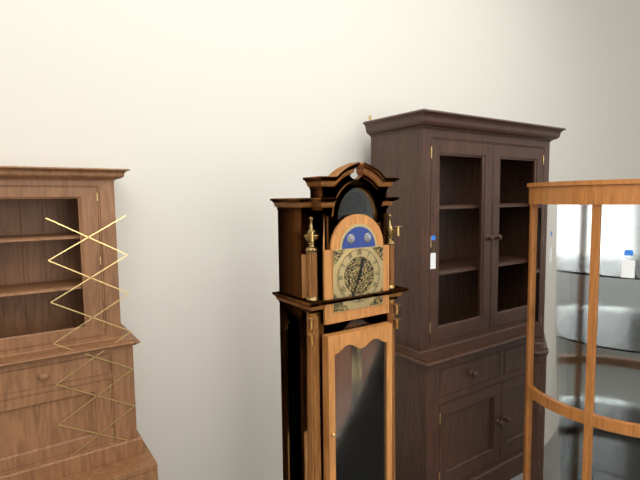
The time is 12h34
